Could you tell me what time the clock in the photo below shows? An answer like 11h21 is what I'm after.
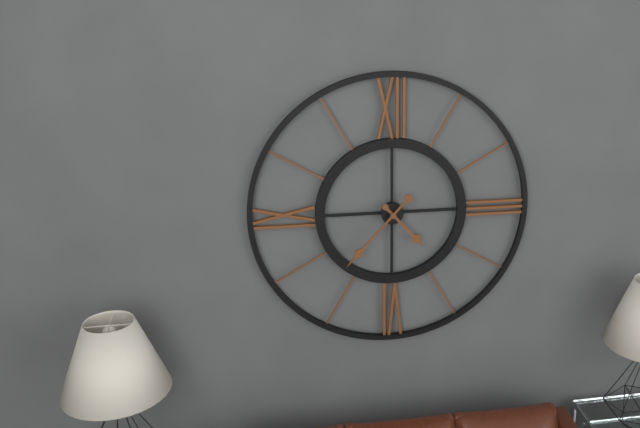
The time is 4h37
